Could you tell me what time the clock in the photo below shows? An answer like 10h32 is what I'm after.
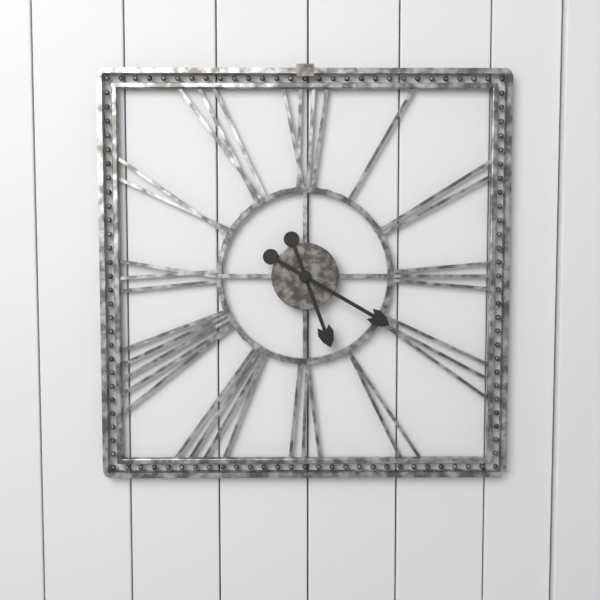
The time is 5h20
